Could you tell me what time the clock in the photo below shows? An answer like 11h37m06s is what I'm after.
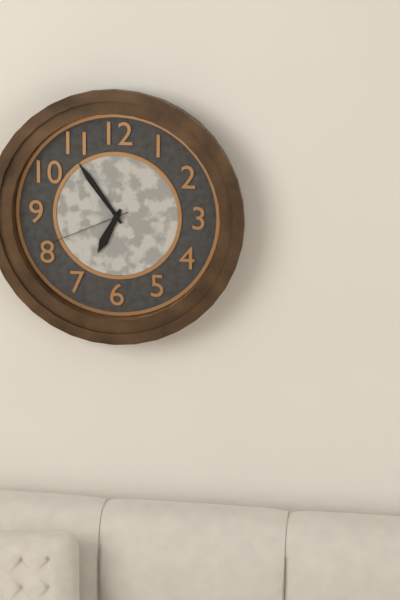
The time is 6h54m41s
